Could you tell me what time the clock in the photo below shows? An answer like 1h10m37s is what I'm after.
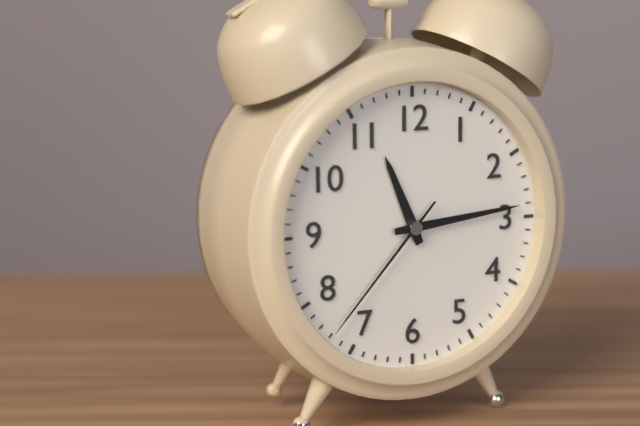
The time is 11h14m37s
